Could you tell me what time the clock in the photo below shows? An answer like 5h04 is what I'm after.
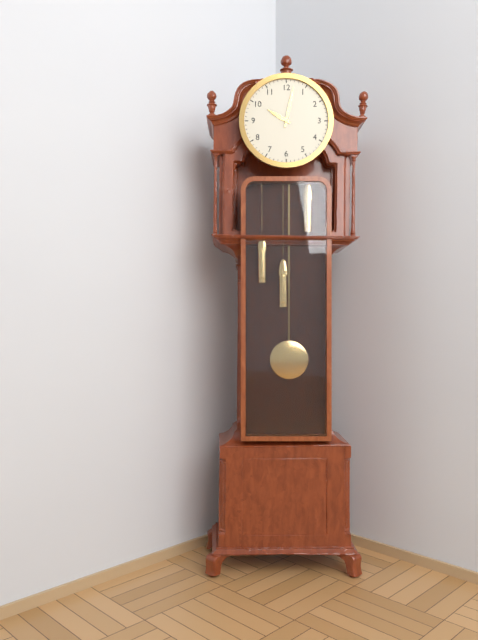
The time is 10h02
